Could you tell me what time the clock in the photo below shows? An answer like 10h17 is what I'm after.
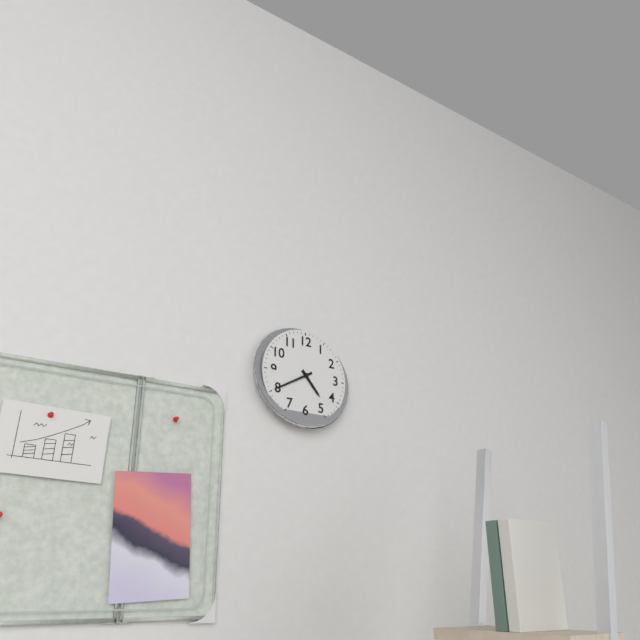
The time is 4h40
